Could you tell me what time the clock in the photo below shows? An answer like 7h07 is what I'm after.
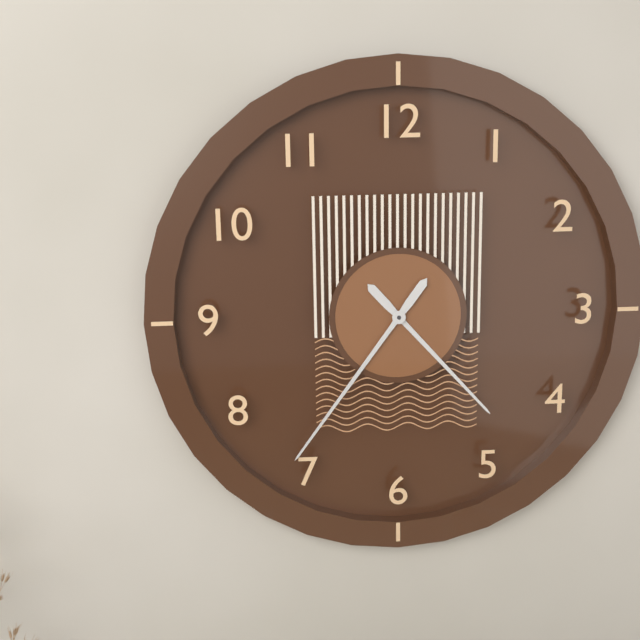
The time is 4h36
